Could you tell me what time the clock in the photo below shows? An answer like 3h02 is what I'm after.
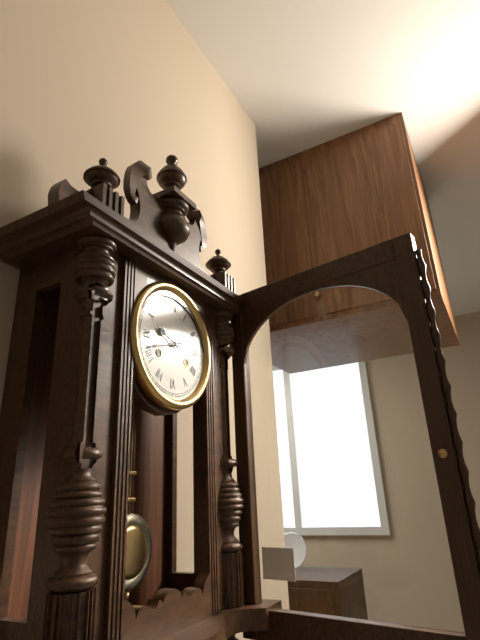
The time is 9h42
